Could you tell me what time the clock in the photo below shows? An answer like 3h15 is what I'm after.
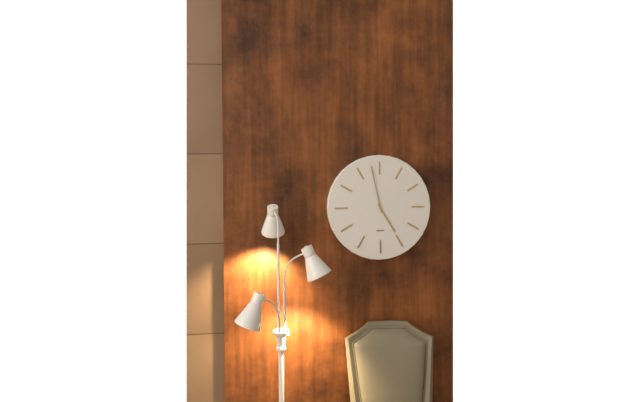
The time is 4h58
